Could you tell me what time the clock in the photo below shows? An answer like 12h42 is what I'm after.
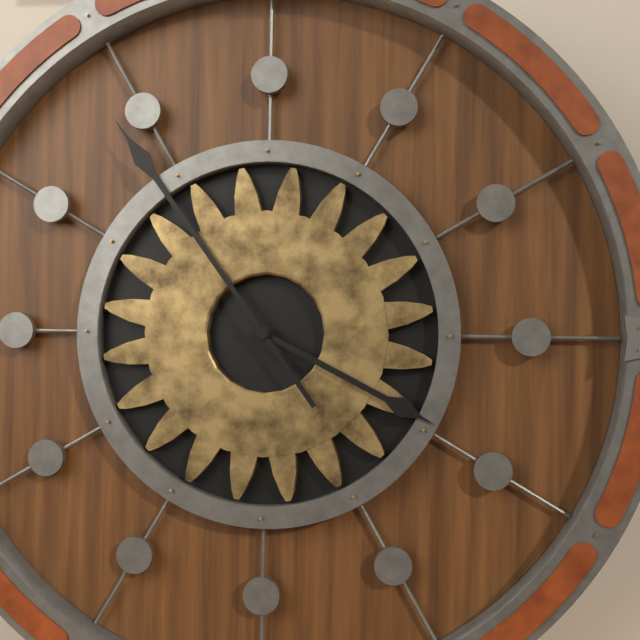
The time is 3h54
